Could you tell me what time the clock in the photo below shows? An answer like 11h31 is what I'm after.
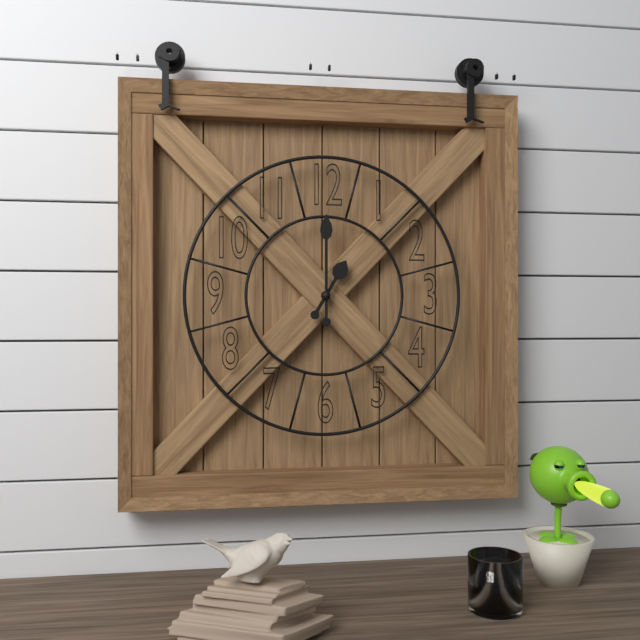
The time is 1h00
